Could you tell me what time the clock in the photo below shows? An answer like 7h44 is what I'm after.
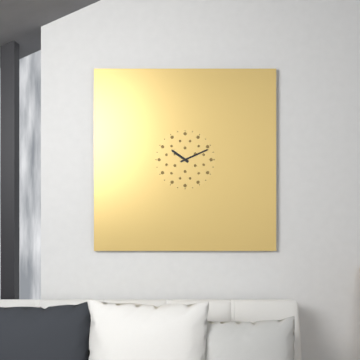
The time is 10h11
